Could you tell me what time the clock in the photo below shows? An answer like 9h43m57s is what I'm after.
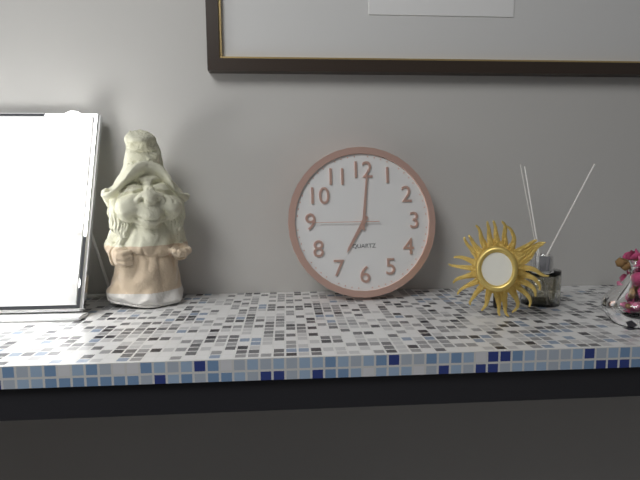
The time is 7h01m45s
